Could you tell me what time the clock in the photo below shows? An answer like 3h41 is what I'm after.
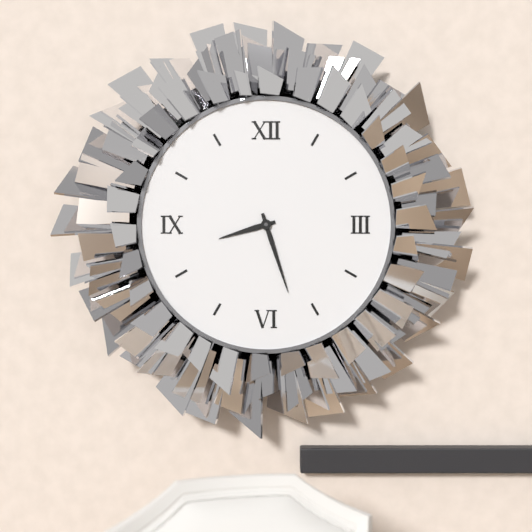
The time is 8h27
